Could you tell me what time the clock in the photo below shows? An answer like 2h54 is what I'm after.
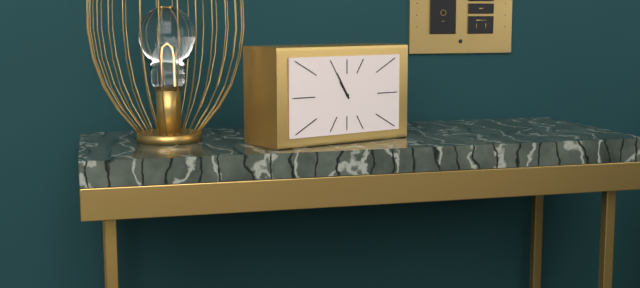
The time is 10h55
